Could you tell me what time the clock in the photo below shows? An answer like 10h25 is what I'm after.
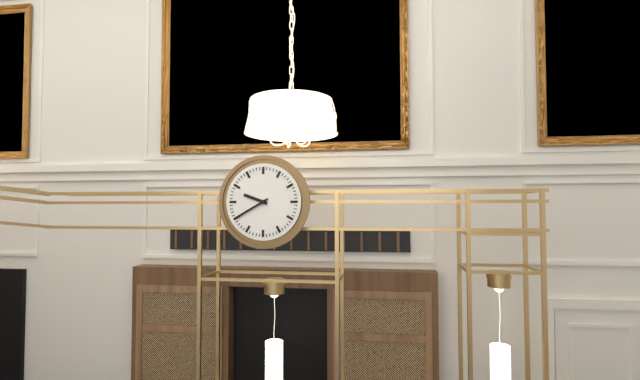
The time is 9h40
